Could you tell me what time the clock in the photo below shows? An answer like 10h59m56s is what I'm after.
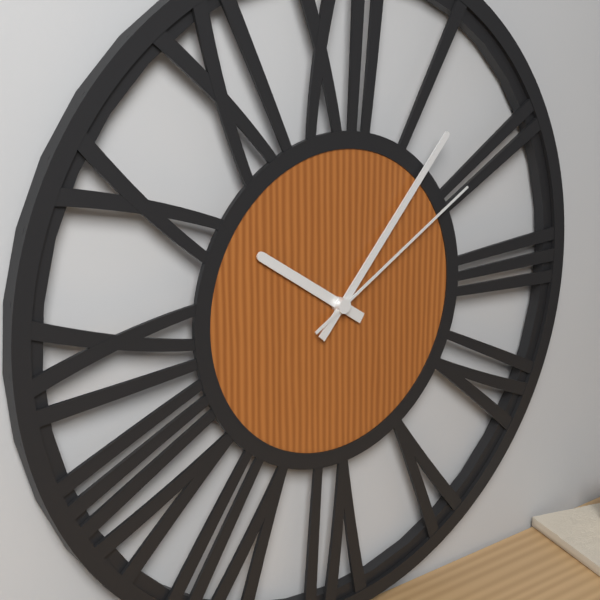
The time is 10h07m10s
